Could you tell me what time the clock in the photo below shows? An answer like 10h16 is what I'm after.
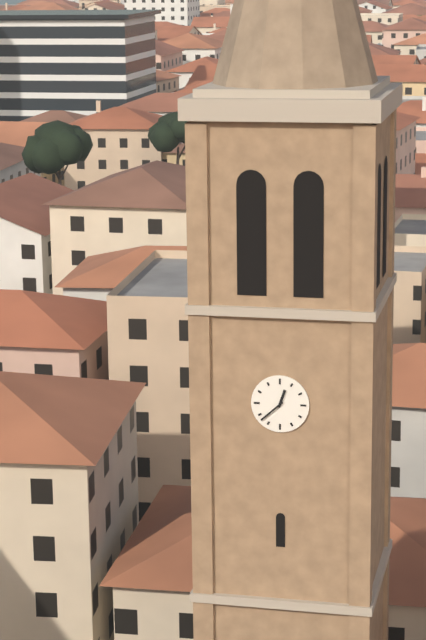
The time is 12h38
